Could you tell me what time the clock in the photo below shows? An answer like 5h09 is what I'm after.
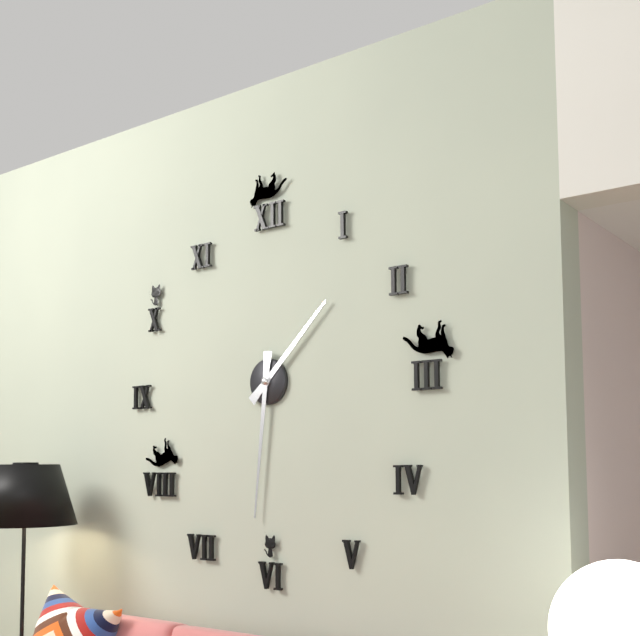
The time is 1h31
